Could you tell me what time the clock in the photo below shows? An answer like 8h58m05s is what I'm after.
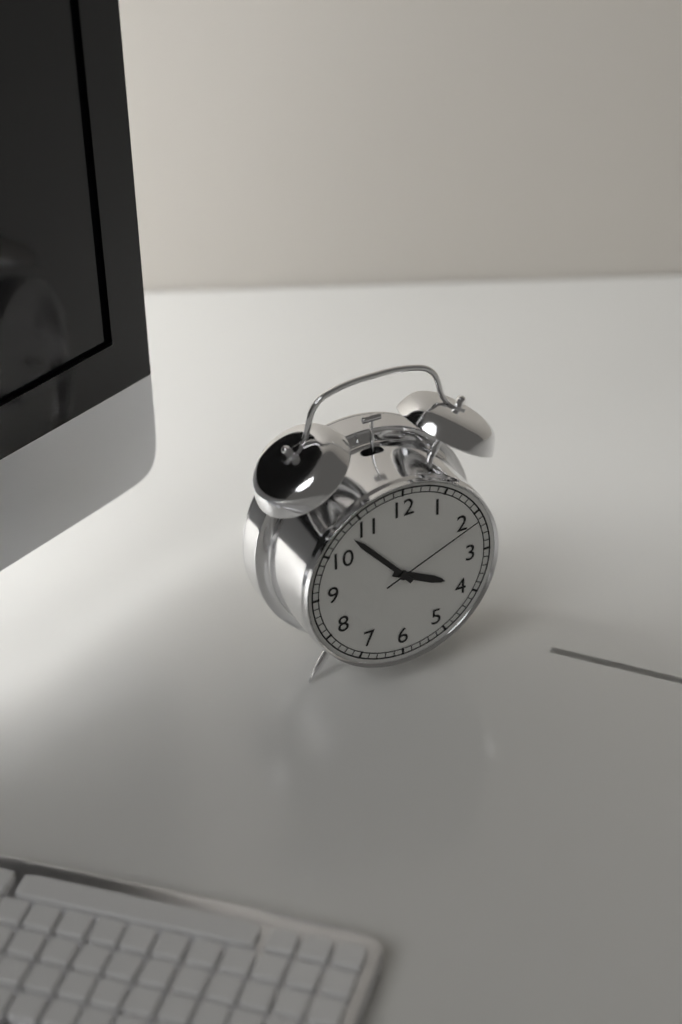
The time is 3h53m11s
